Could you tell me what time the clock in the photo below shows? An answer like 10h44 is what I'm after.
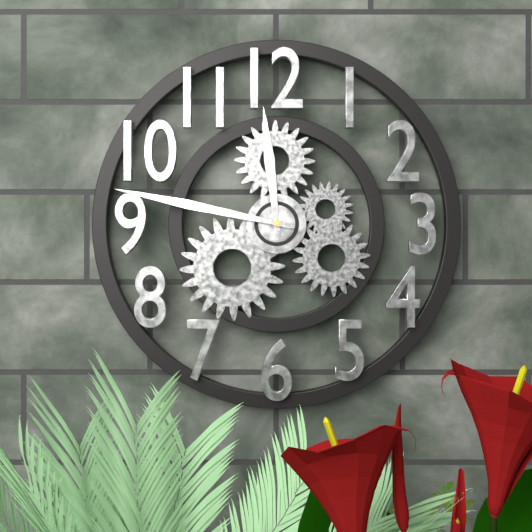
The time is 11h47
